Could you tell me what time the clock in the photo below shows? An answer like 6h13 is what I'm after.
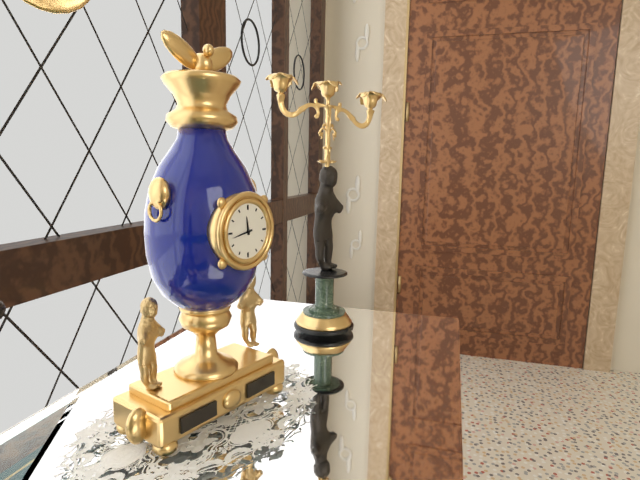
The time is 11h43
